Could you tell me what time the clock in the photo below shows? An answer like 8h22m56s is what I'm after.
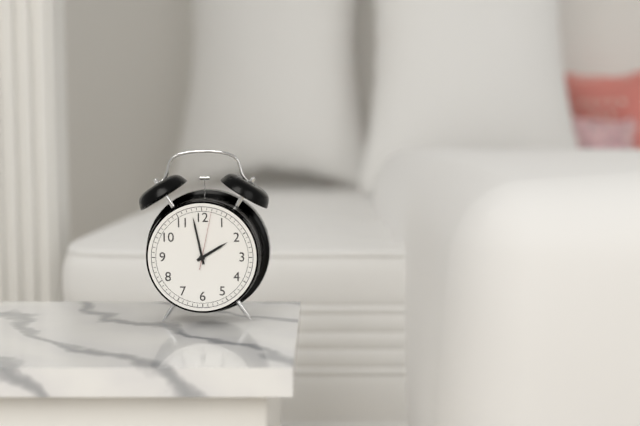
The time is 1h58m02s
